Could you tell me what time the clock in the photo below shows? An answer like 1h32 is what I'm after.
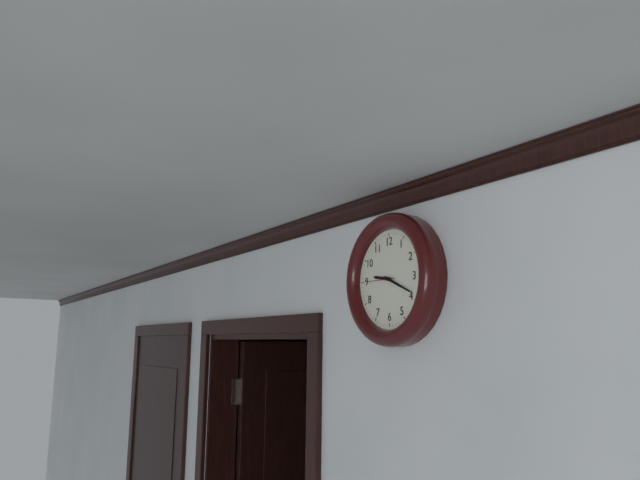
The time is 9h19
